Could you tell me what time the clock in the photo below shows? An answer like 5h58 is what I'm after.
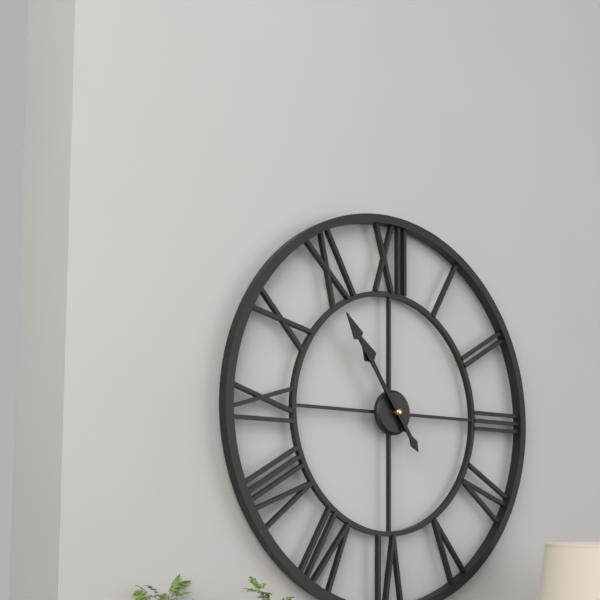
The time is 10h54
